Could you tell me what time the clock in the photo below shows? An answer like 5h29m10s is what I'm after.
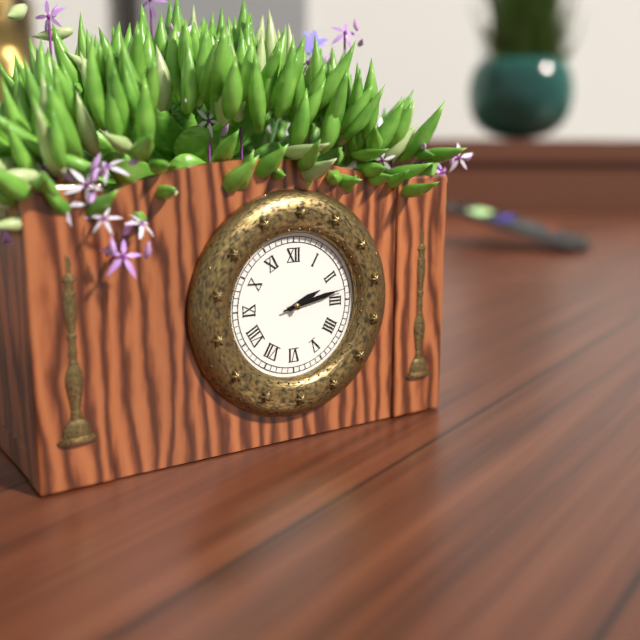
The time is 2h13m13s
